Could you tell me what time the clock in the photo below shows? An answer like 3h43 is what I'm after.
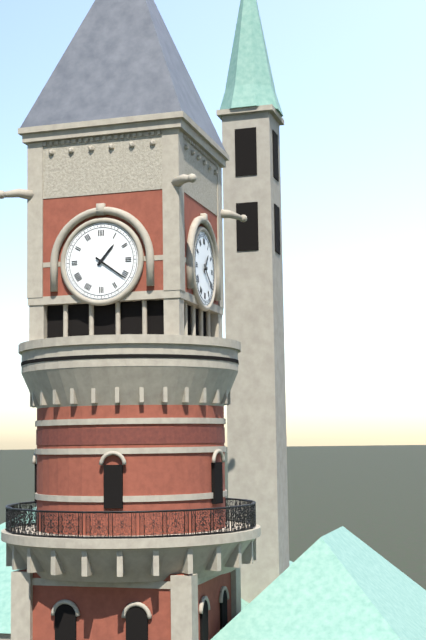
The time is 1h21
